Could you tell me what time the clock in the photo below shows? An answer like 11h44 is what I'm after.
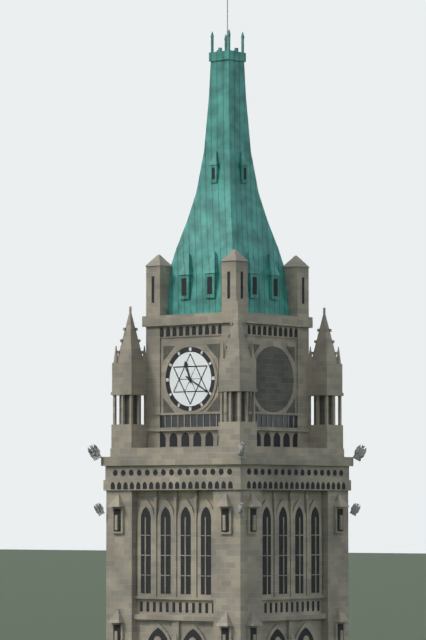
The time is 11h20
